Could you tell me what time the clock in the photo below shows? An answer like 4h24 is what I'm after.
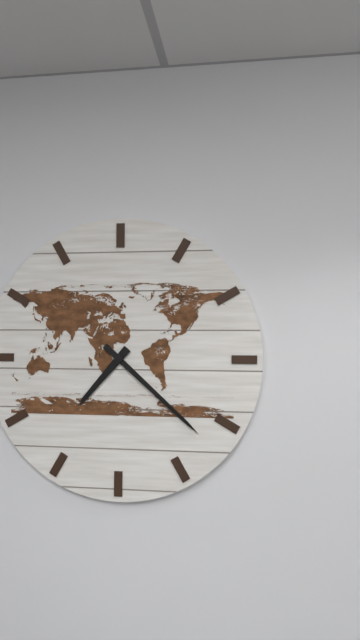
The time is 7h22
